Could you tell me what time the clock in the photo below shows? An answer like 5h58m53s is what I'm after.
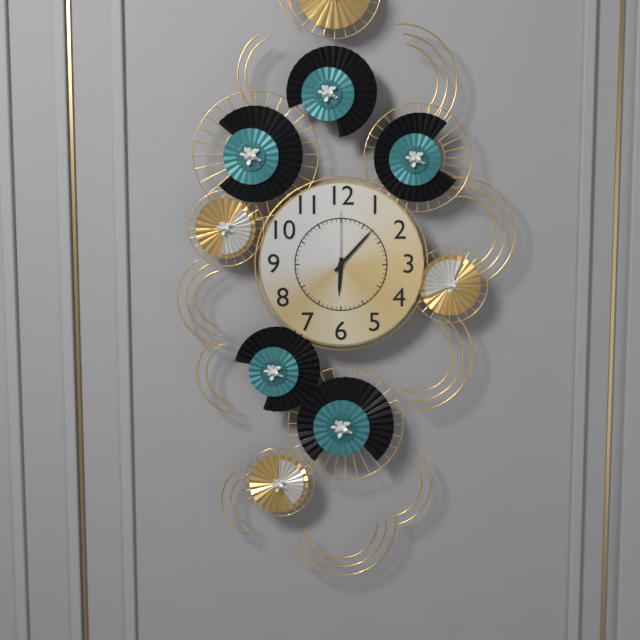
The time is 6h07m00s
